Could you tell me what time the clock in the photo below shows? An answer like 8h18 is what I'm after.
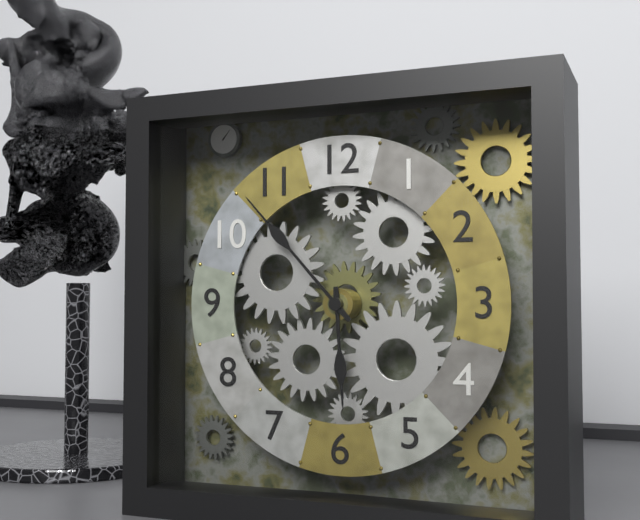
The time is 5h53
